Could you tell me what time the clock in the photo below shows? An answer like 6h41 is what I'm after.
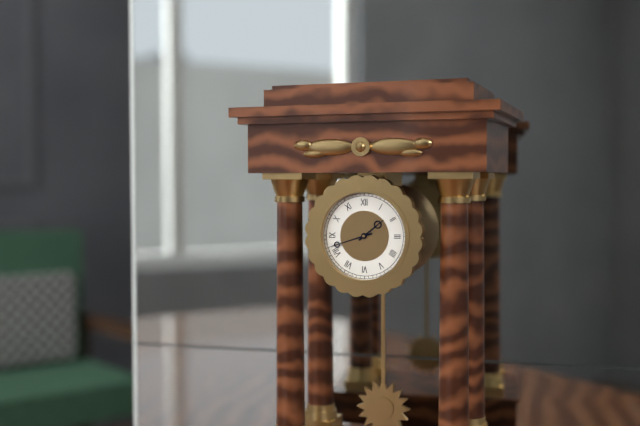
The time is 1h42
